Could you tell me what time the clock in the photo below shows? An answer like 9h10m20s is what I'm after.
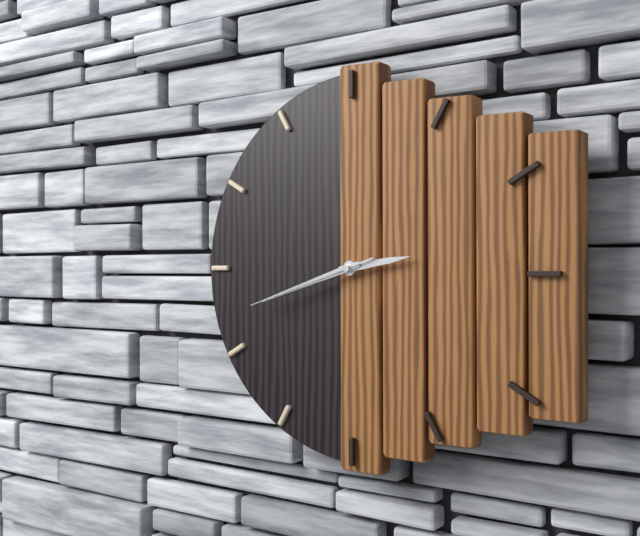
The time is 2h42m42s
